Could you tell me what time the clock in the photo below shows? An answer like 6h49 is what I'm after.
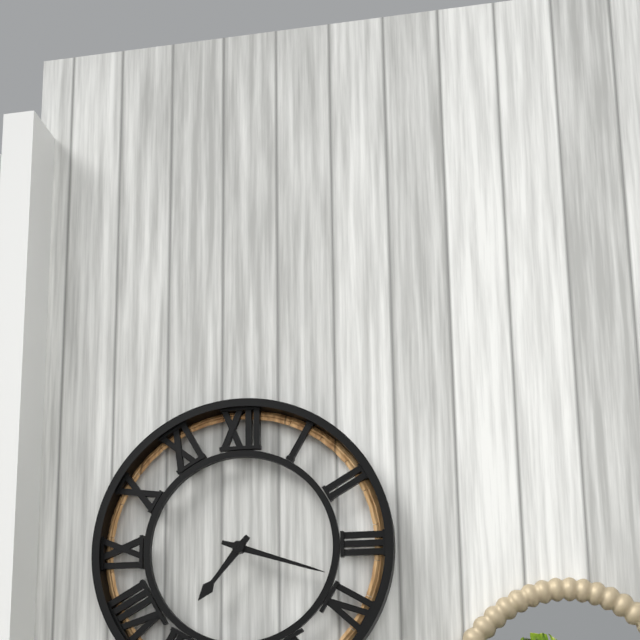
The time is 7h18
